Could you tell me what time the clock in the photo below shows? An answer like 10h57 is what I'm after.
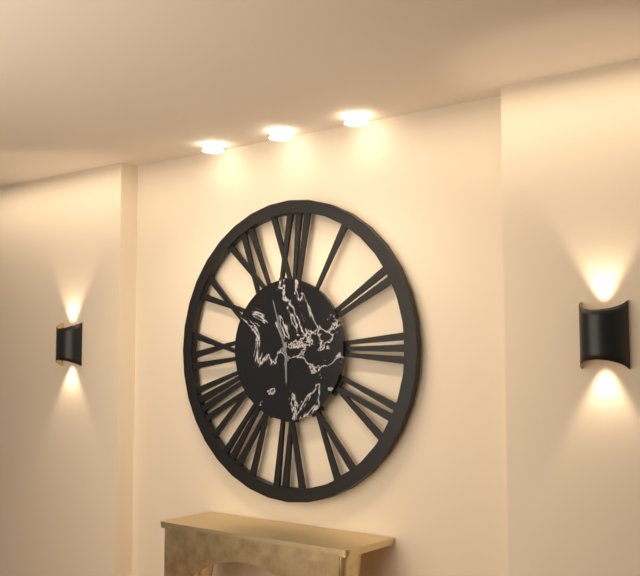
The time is 5h57
